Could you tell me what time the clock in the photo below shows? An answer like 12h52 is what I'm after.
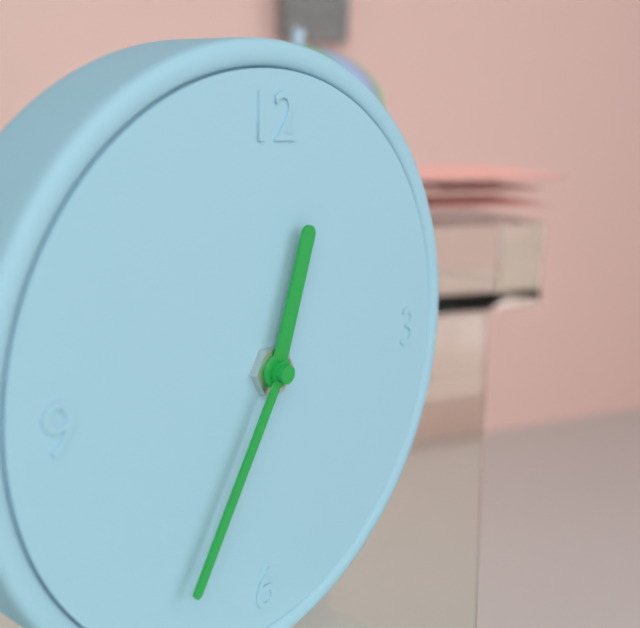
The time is 12h35
